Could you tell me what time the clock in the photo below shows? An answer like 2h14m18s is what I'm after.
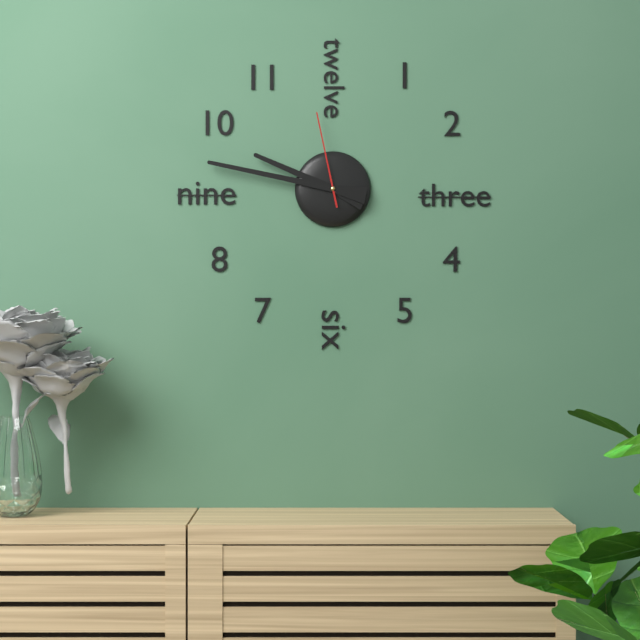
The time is 9h47m58s
